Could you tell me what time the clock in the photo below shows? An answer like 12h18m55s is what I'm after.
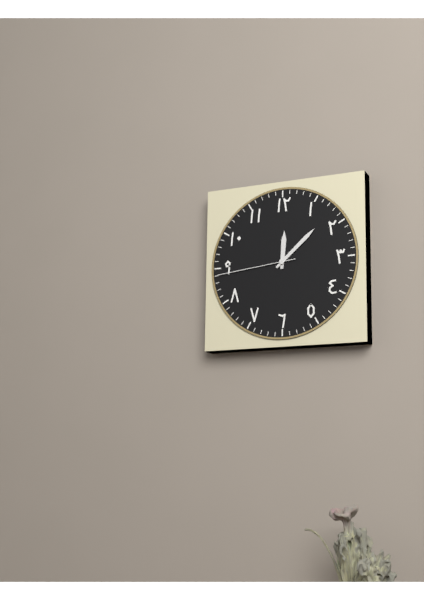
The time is 12h08m44s
